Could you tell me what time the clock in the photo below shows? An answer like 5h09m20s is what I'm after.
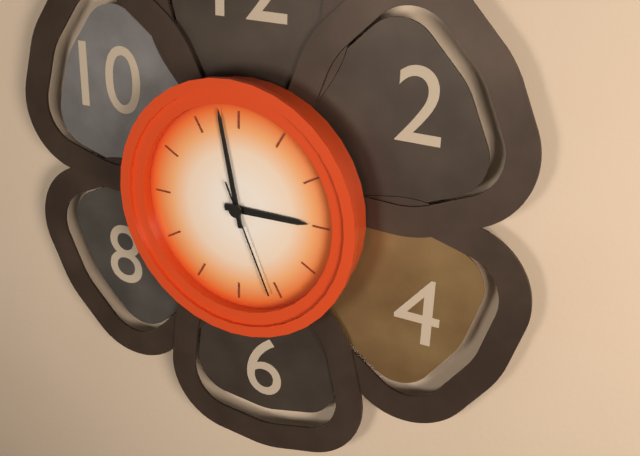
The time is 2h58m26s
